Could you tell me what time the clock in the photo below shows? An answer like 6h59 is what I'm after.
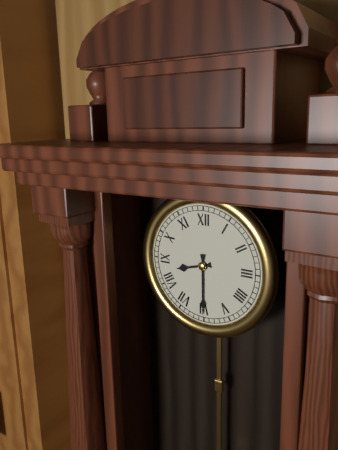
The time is 8h30
